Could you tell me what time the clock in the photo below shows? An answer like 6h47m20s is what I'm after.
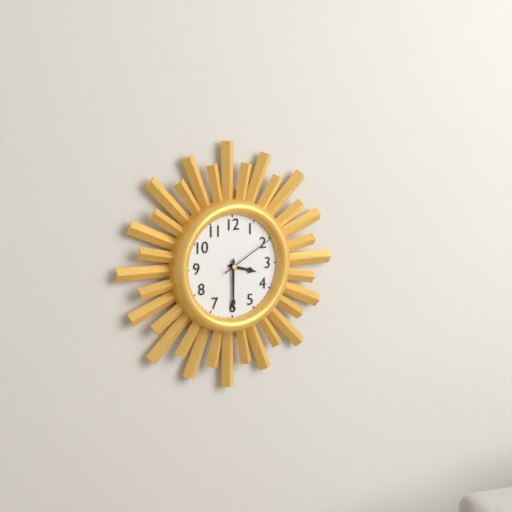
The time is 3h30m10s
